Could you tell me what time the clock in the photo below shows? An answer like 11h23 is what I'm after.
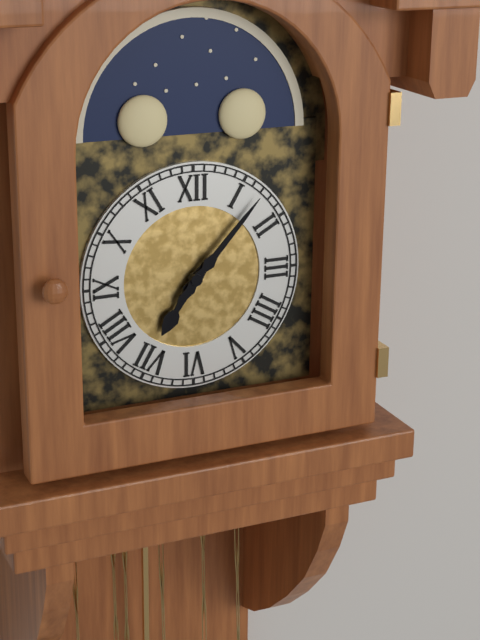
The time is 7h07
